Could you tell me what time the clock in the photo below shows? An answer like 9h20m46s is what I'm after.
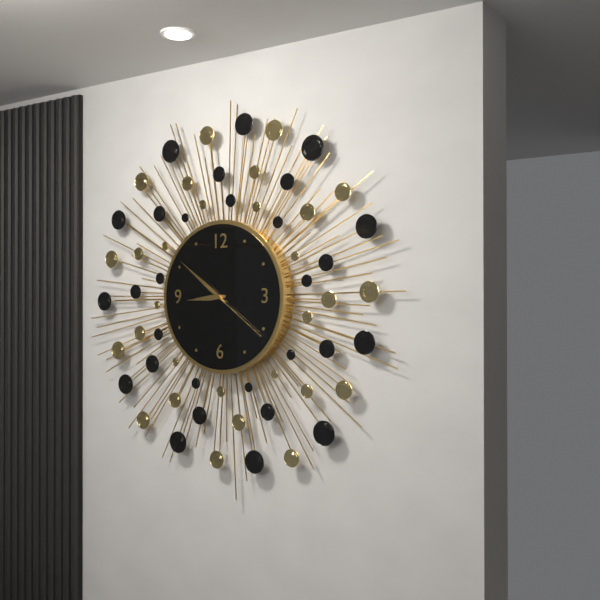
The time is 8h51m21s
